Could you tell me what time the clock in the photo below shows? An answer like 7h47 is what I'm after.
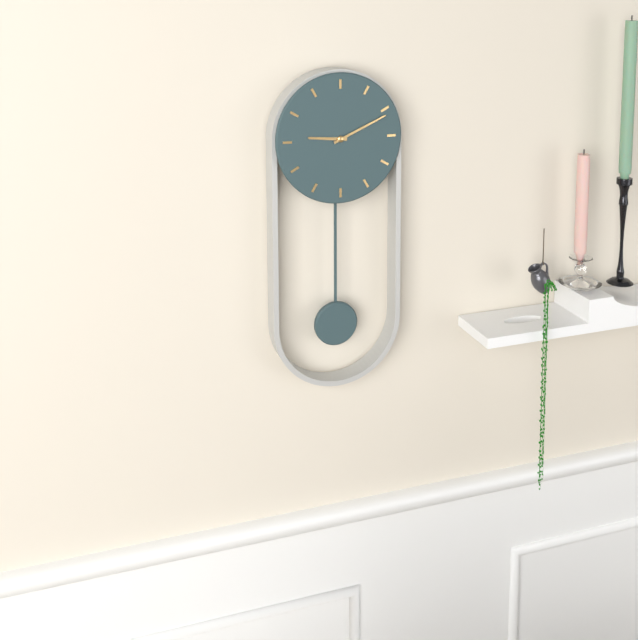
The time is 9h11
